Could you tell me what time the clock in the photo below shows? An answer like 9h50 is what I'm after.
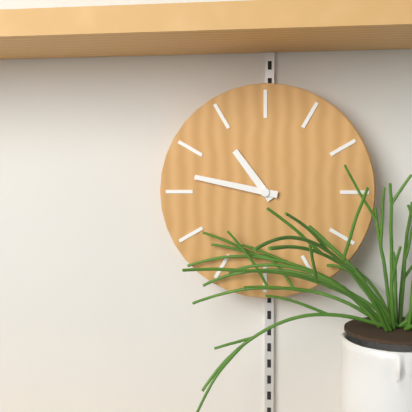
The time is 10h47
